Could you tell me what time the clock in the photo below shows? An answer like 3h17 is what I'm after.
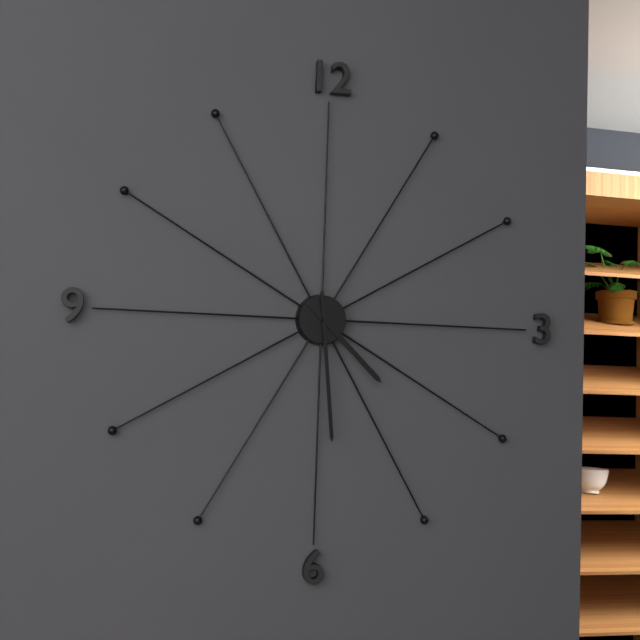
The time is 4h29
